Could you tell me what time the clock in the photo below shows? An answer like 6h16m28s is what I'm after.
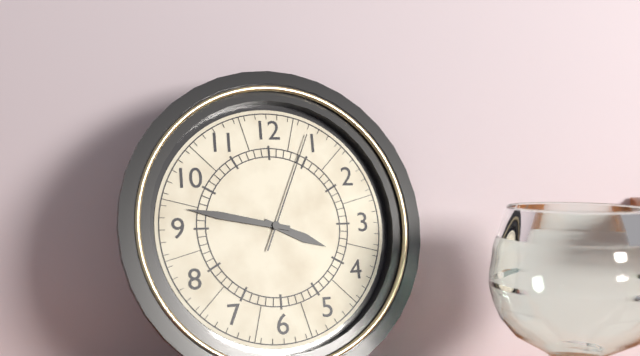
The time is 3h47m04s
